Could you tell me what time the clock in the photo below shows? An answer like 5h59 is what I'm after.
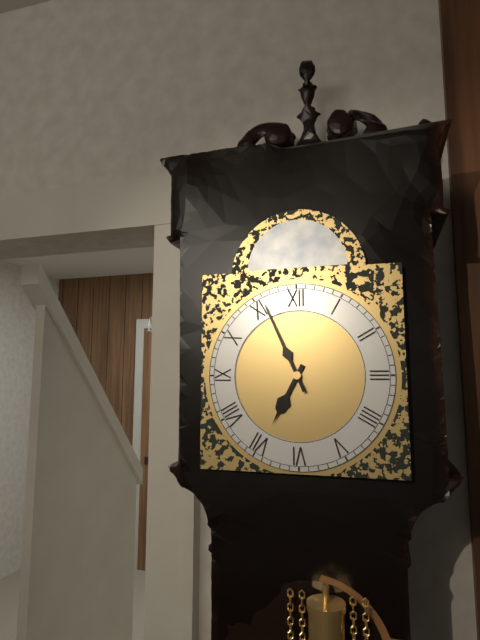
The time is 6h56
